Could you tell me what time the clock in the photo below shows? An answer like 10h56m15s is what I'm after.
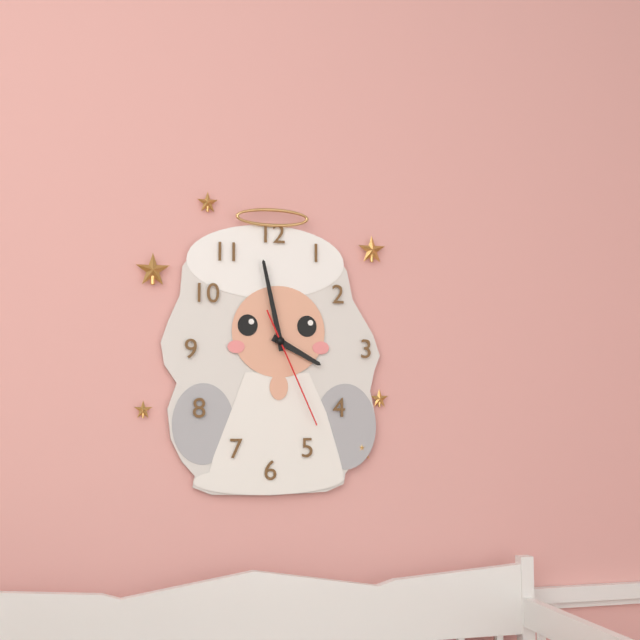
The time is 3h58m26s
